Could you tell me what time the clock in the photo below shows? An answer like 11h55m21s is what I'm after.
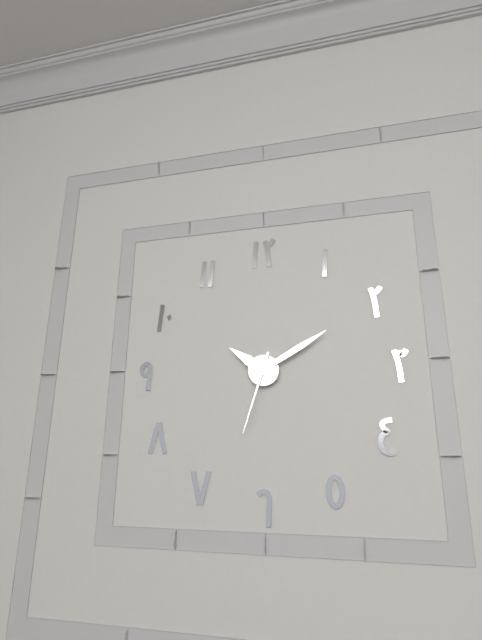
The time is 10h10m33s
